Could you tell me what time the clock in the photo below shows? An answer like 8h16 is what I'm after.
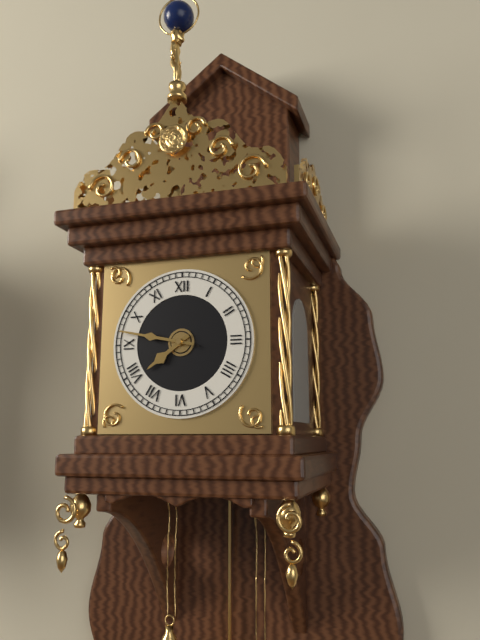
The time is 7h47
